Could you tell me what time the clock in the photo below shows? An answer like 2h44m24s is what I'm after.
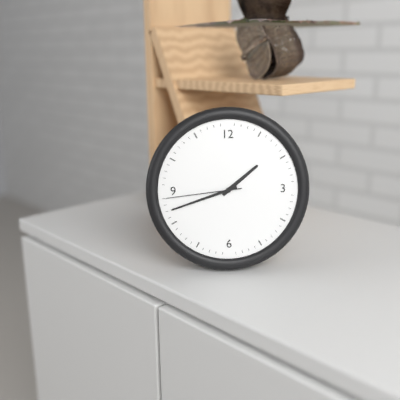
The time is 1h42m44s
